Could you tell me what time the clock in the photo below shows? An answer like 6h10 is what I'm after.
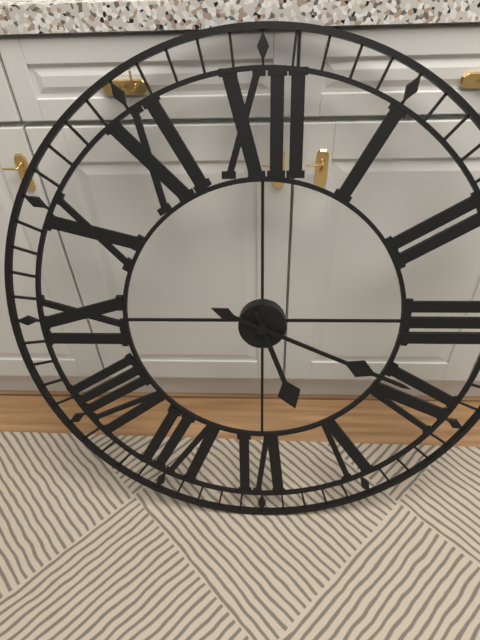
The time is 5h19
